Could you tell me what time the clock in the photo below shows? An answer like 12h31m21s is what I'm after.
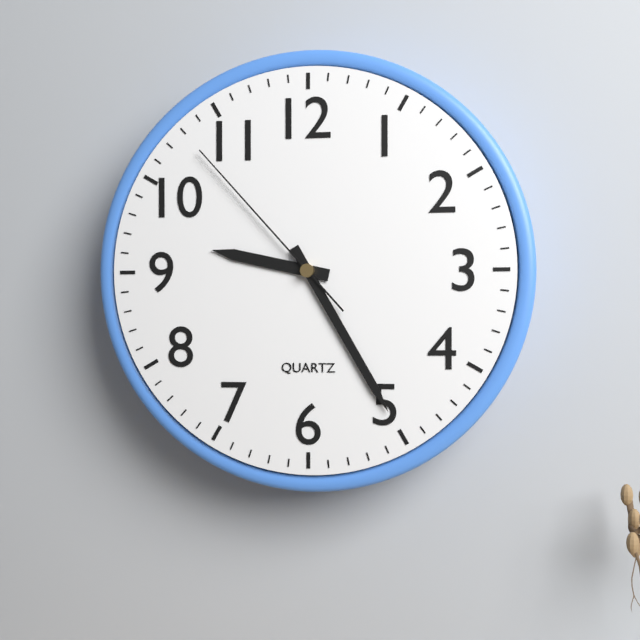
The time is 9h25m53s
